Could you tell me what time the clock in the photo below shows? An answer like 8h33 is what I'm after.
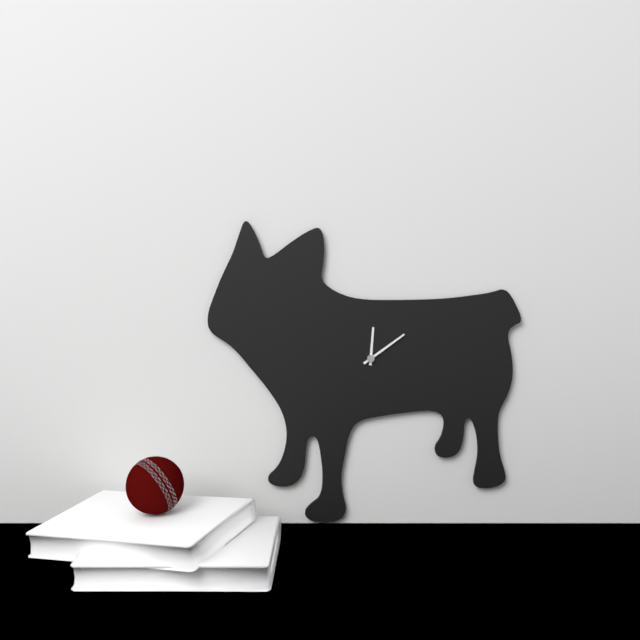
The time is 12h09
